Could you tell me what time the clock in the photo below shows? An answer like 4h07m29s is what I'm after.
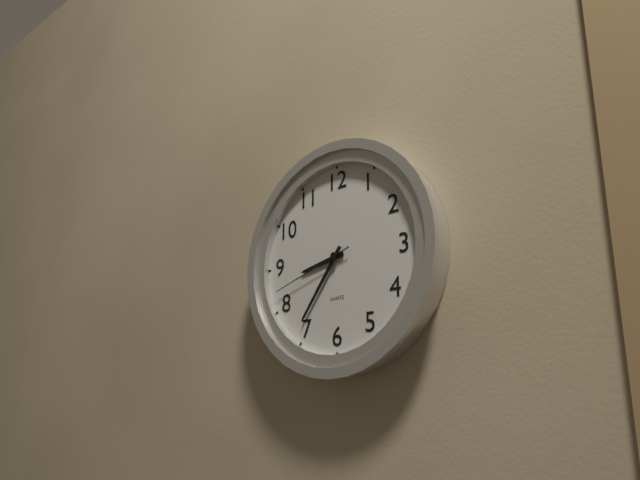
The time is 8h36m42s
